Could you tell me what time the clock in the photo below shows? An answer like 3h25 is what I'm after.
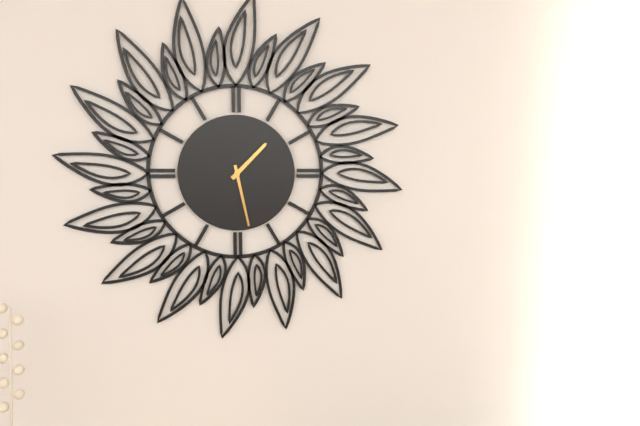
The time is 1h28
